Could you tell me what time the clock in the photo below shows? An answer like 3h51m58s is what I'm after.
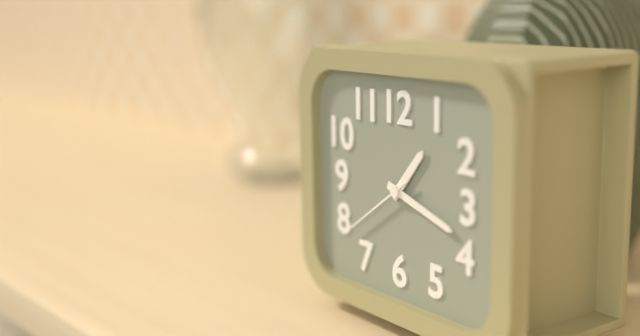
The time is 1h18m39s
